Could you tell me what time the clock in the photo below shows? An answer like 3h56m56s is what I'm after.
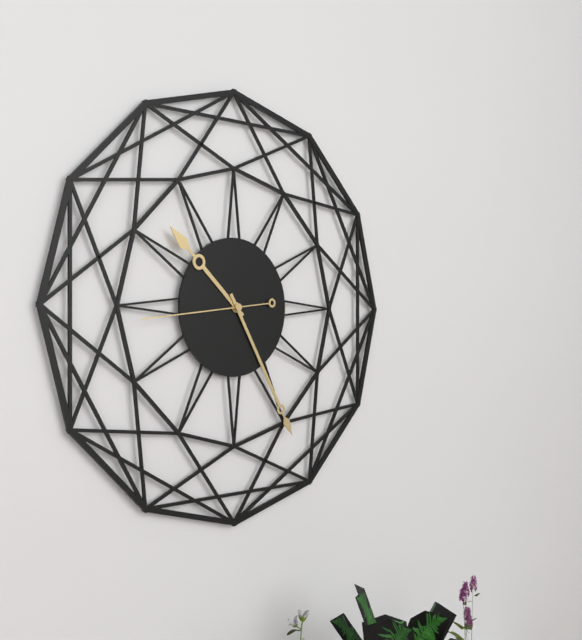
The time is 10h25m44s
